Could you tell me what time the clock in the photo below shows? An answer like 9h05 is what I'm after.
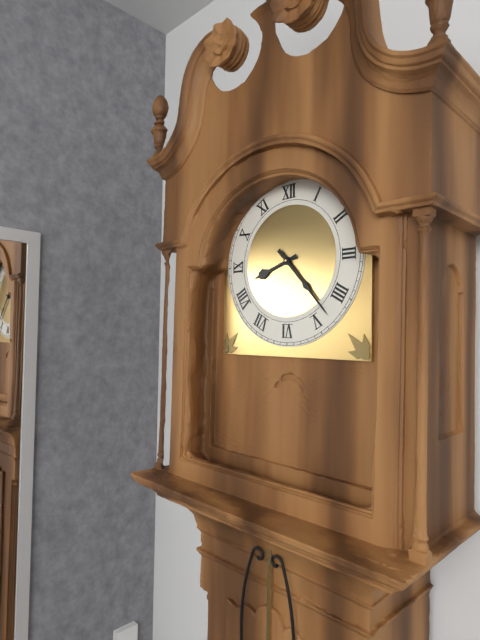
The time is 8h23
